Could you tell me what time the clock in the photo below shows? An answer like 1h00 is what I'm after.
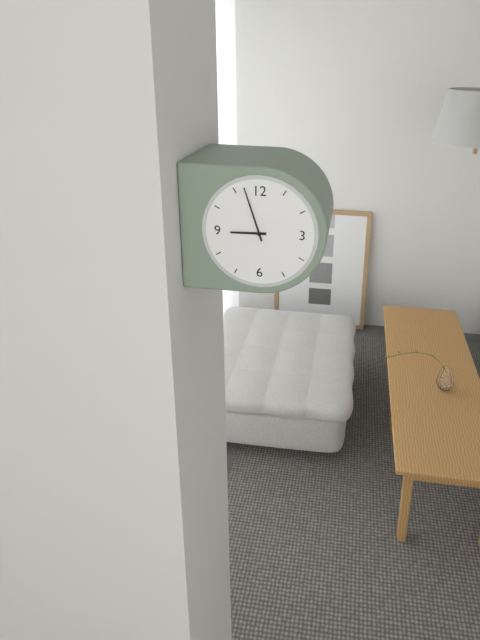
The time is 8h57
